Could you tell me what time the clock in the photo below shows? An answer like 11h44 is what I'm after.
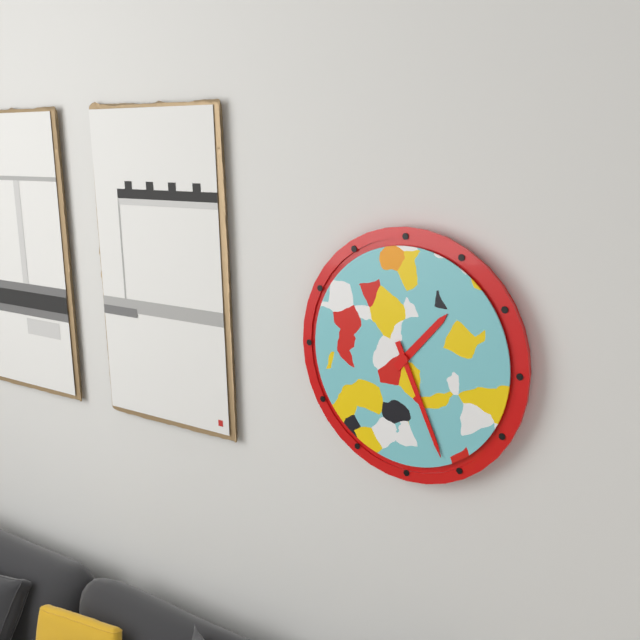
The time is 1h26
